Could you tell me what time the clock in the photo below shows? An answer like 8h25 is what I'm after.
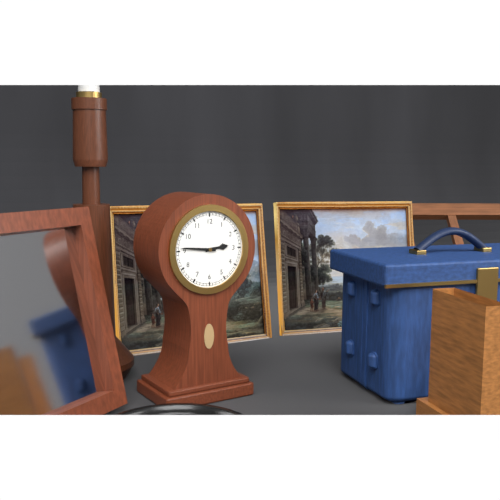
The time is 2h46
